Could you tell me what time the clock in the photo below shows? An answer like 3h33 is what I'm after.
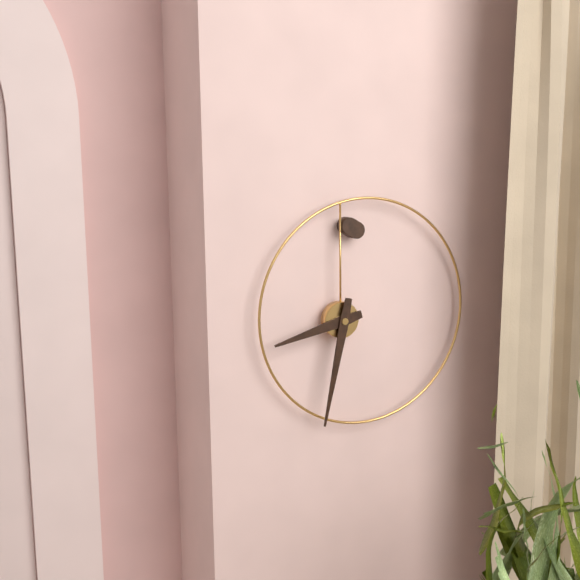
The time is 8h32
